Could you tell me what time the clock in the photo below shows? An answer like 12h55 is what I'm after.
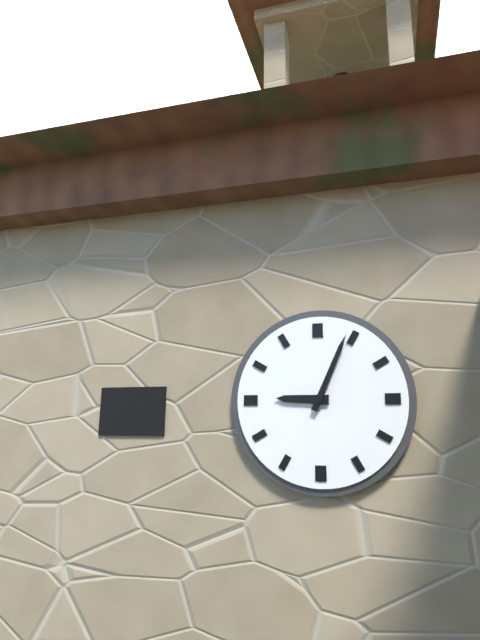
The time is 9h04
